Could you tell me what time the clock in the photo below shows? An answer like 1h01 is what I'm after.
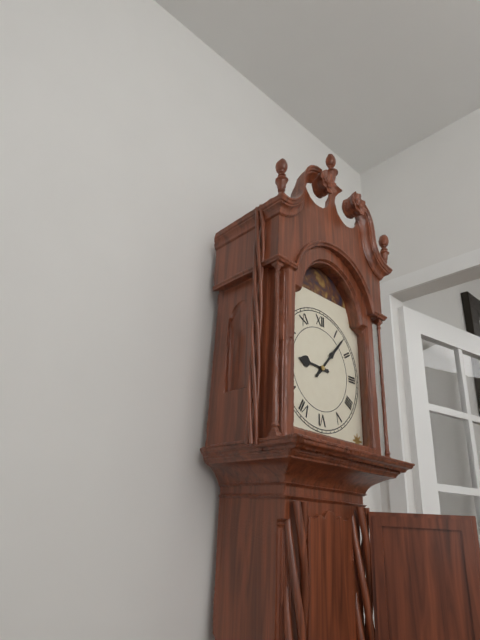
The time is 9h07
